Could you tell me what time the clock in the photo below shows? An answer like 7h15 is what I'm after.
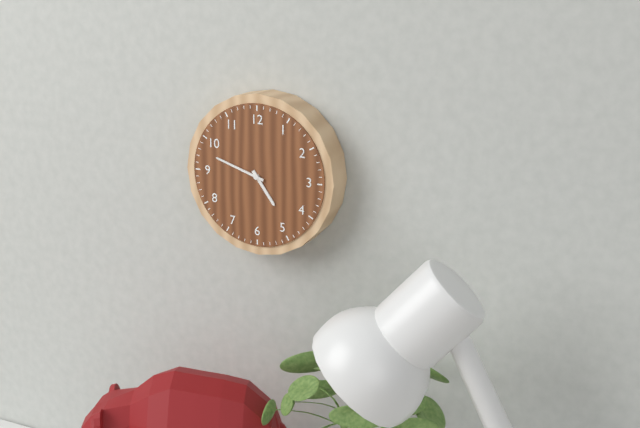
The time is 4h48
